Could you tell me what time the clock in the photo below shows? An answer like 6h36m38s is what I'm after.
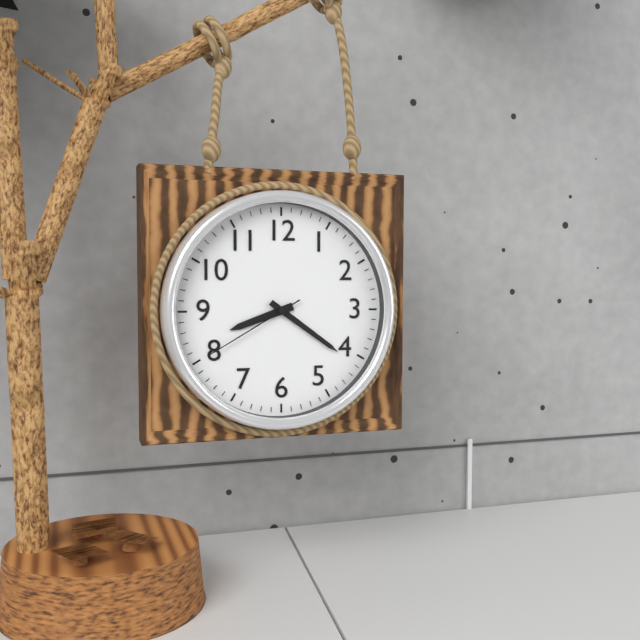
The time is 8h21m40s
